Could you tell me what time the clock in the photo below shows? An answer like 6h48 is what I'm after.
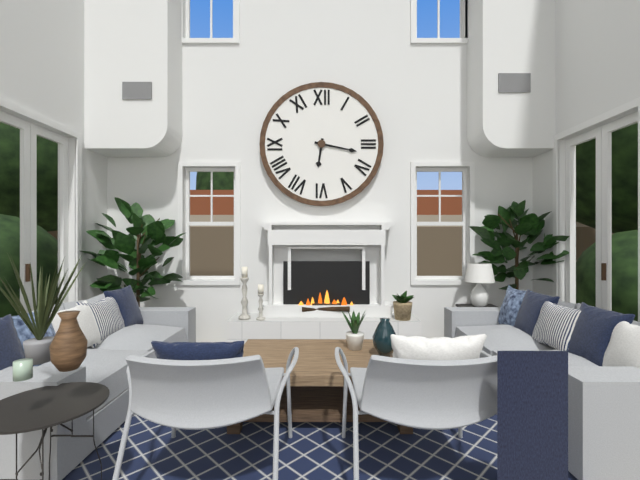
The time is 6h17
